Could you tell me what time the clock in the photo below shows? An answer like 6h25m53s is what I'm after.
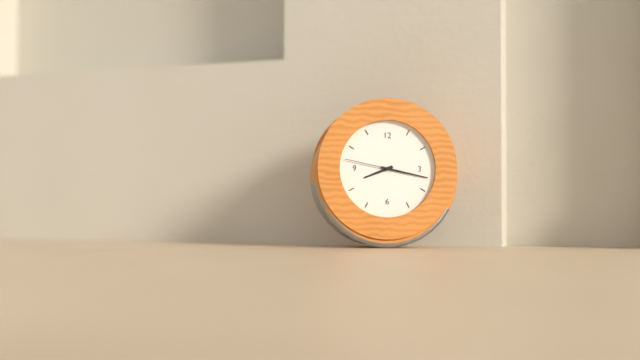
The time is 8h17m47s
